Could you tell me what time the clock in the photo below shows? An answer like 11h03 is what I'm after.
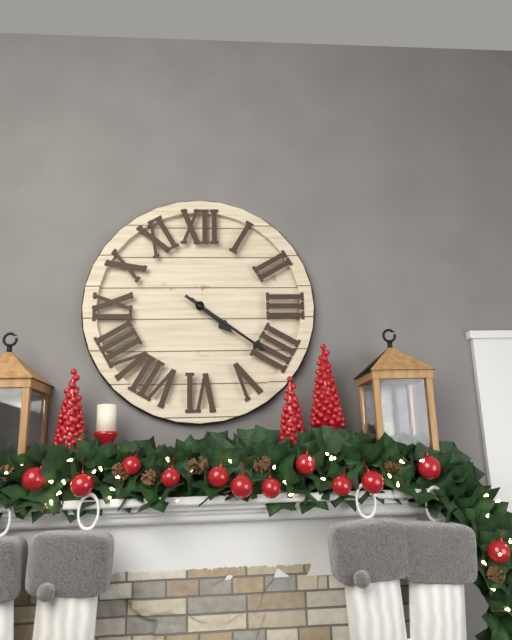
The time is 4h21
